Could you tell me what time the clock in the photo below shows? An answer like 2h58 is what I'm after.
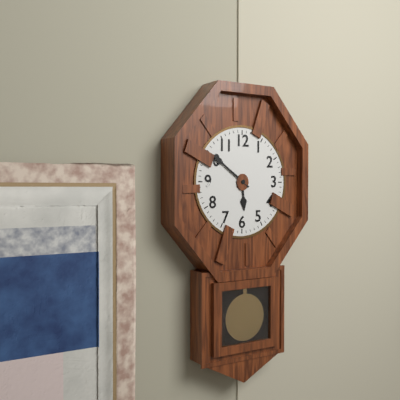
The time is 5h51
